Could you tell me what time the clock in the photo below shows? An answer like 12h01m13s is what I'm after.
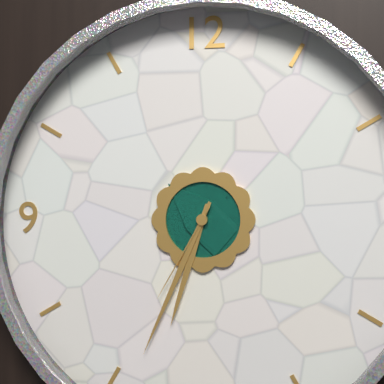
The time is 6h34m35s
